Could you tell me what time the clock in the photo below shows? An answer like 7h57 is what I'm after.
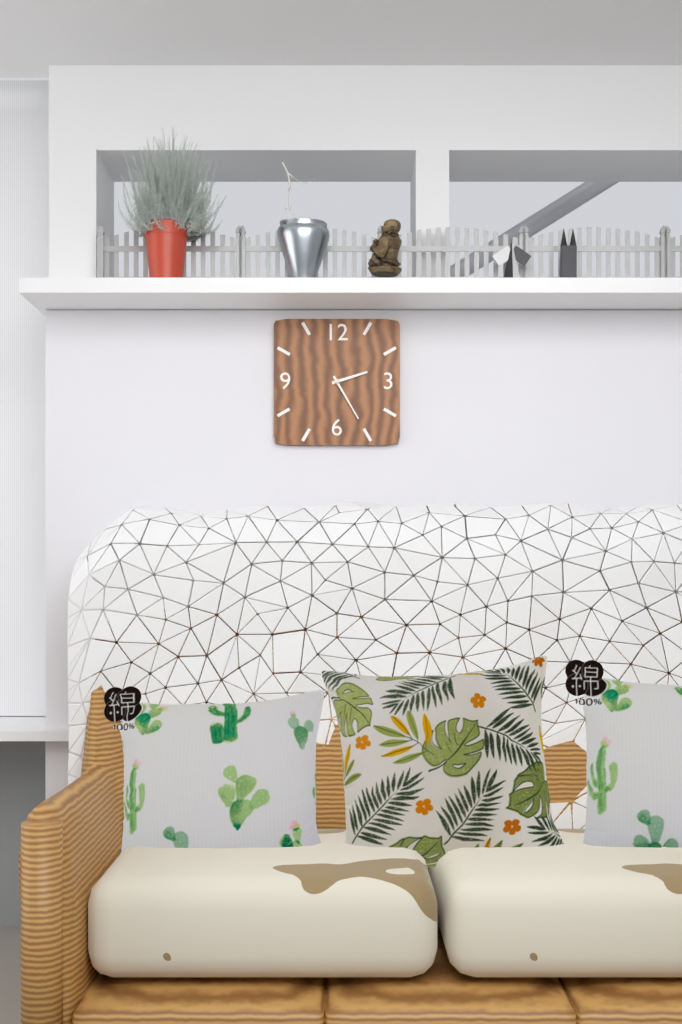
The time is 2h25
